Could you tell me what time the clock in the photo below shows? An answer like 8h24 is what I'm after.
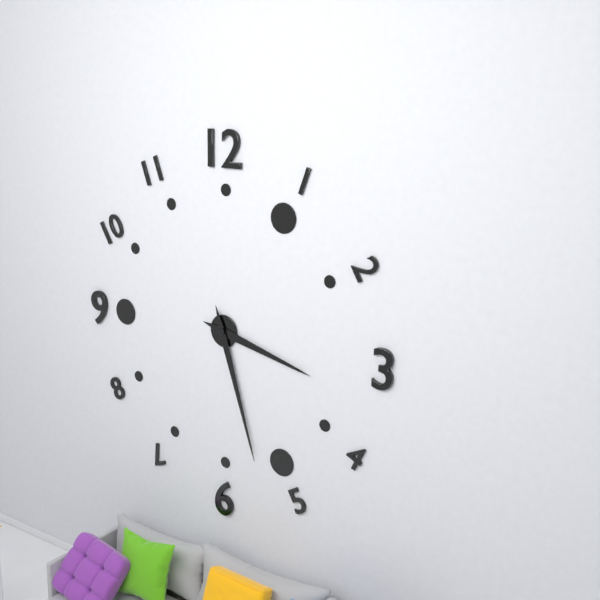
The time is 3h27
